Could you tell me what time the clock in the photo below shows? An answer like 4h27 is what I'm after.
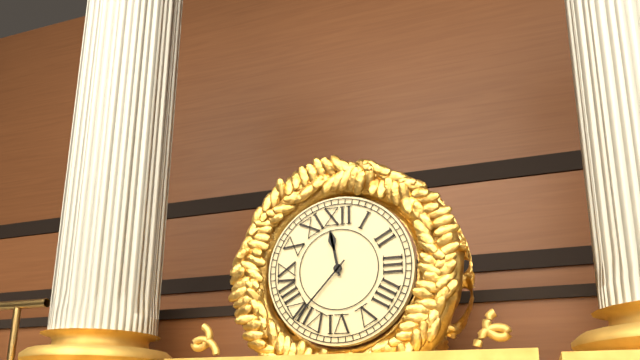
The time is 11h37
